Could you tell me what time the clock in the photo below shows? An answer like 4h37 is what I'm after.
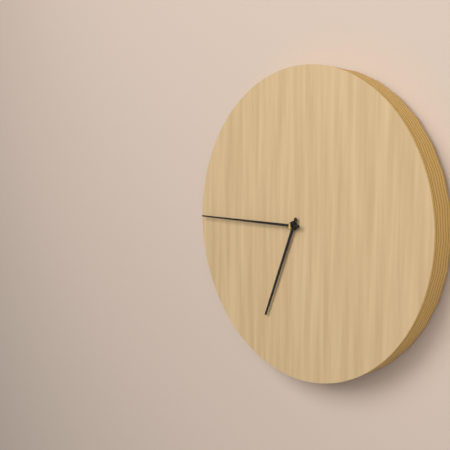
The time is 6h45
